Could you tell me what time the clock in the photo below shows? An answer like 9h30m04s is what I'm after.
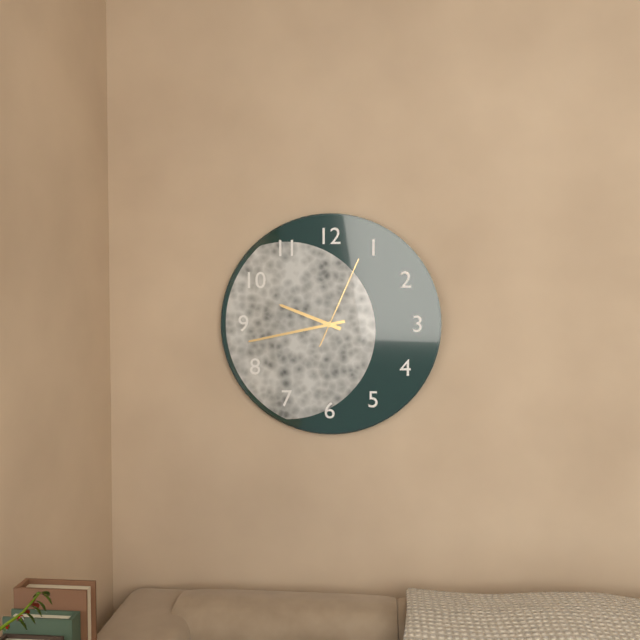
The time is 9h43m04s
